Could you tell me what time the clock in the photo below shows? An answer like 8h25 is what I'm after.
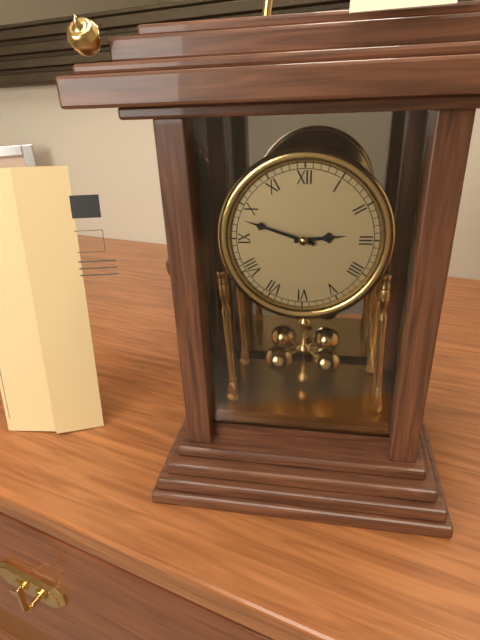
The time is 2h48
